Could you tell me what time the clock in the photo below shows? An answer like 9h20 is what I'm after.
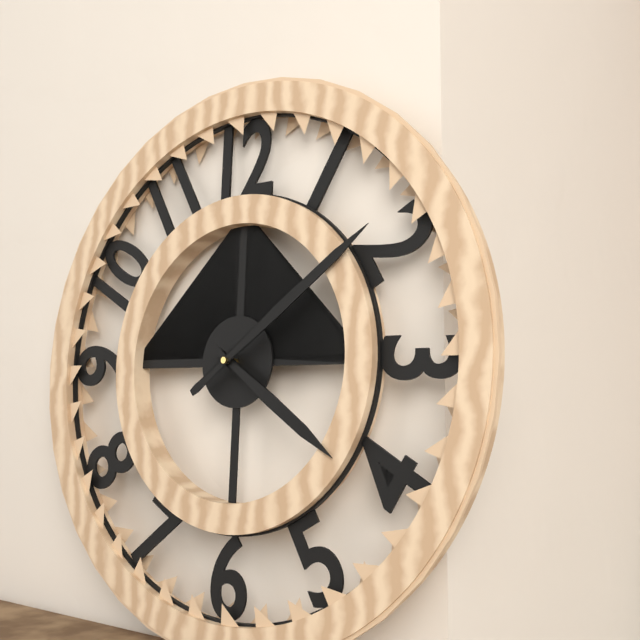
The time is 4h09
